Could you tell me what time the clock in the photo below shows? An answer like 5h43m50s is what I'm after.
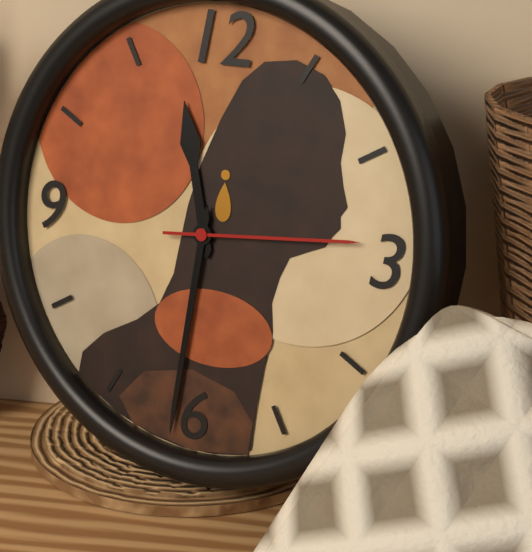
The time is 11h31m14s
